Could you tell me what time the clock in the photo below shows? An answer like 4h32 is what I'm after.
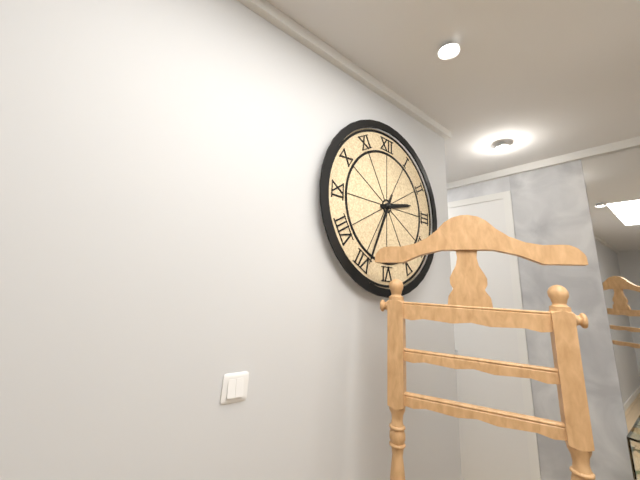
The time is 2h34
